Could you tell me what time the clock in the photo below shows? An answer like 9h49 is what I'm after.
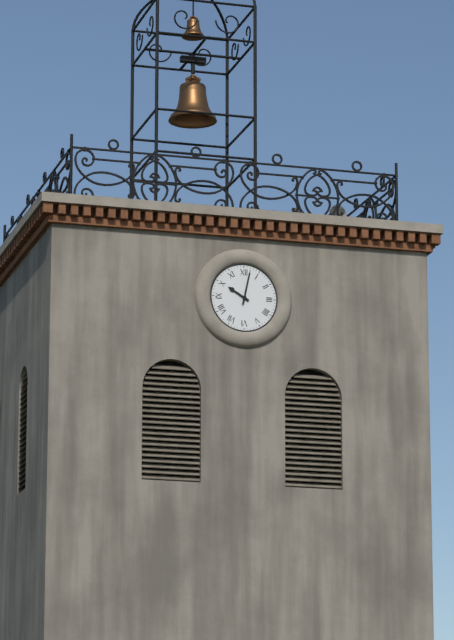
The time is 10h02
